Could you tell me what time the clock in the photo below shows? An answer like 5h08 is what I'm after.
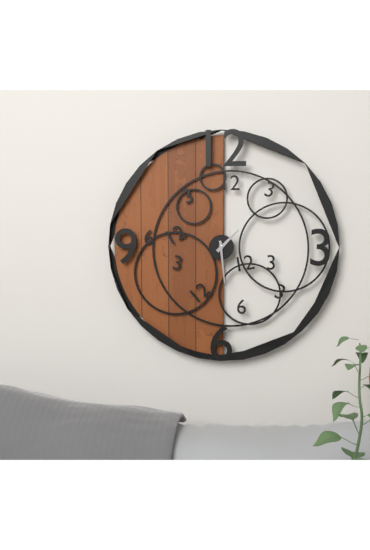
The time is 1h29
